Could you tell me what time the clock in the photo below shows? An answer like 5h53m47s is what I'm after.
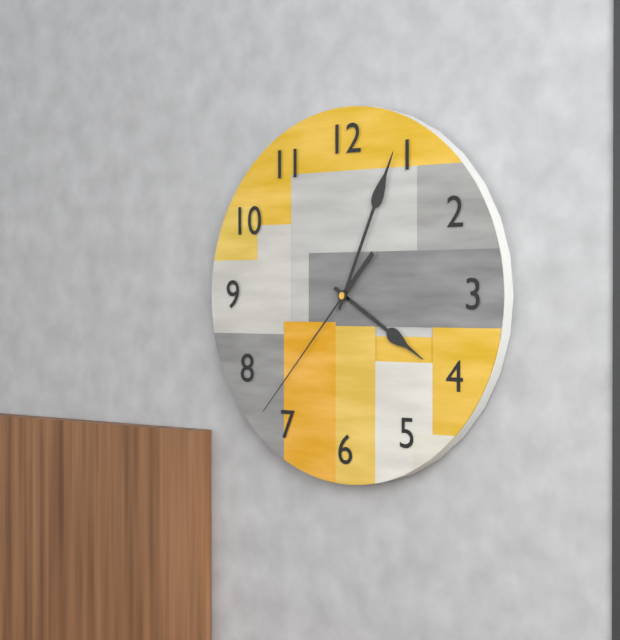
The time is 4h04m37s
